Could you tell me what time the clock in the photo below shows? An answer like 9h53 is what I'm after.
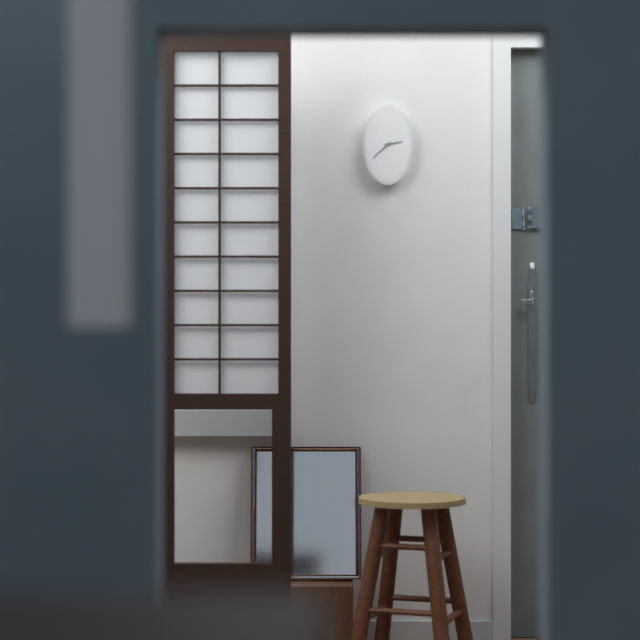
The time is 2h38
